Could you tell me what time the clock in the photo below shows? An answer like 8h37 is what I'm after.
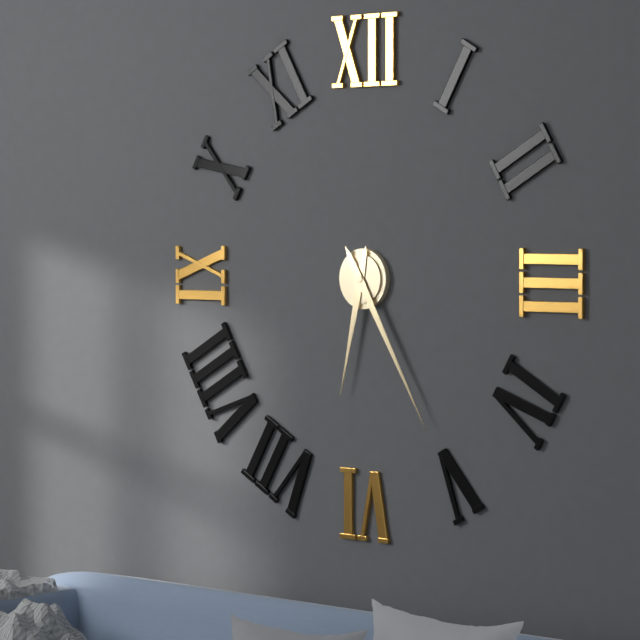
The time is 6h25
